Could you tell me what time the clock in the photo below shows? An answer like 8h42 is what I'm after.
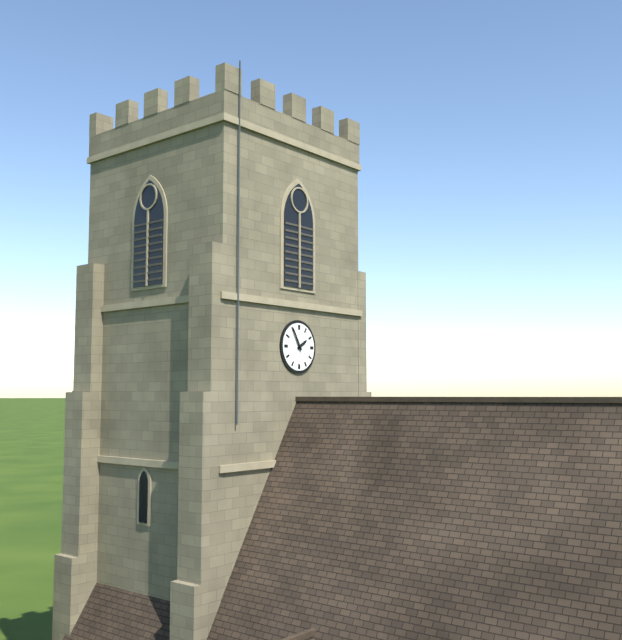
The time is 1h55
